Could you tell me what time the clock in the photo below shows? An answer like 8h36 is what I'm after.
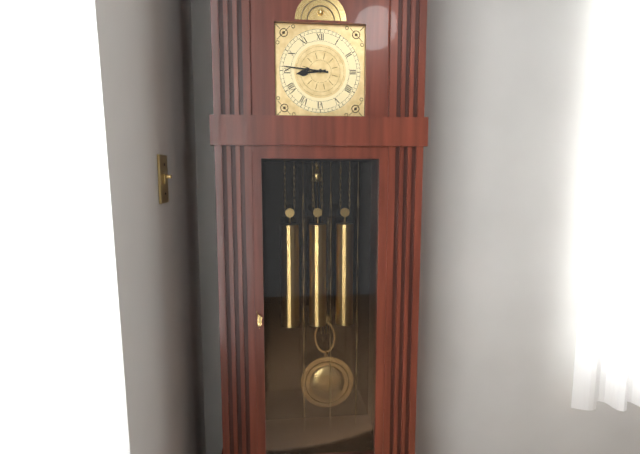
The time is 8h46
